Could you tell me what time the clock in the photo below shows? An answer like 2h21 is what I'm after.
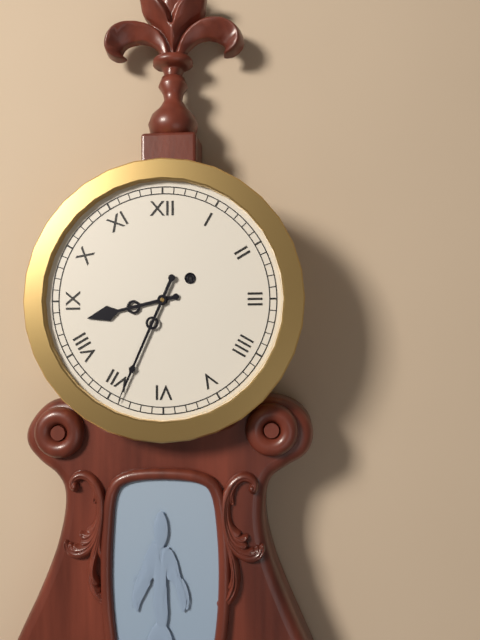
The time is 8h34
